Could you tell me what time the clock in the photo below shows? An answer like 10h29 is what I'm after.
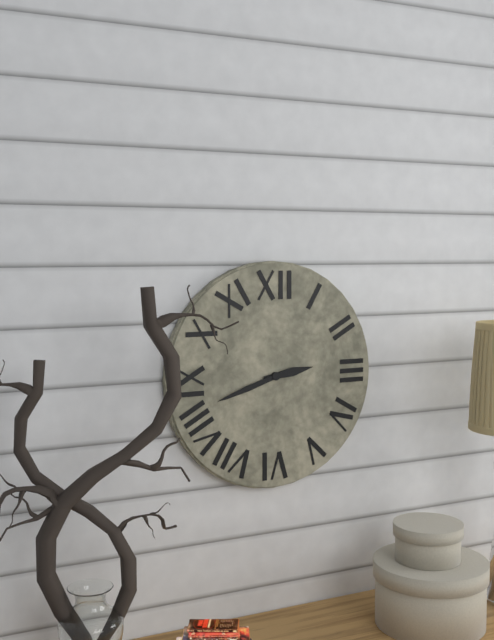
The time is 2h42
